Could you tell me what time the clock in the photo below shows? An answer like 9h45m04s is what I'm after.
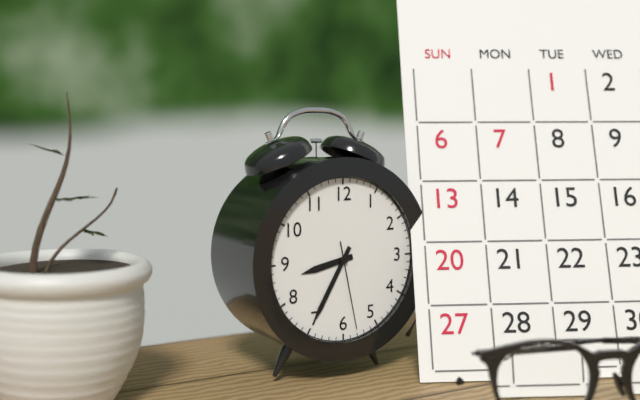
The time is 8h35m28s
